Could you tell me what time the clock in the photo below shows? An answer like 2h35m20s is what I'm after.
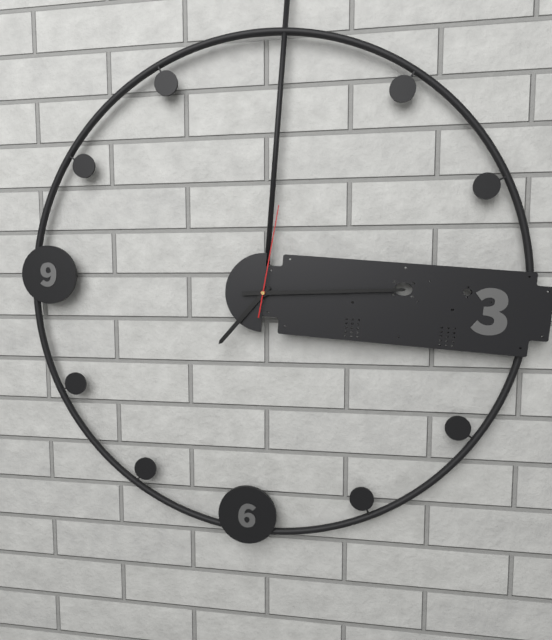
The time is 7h14m01s
